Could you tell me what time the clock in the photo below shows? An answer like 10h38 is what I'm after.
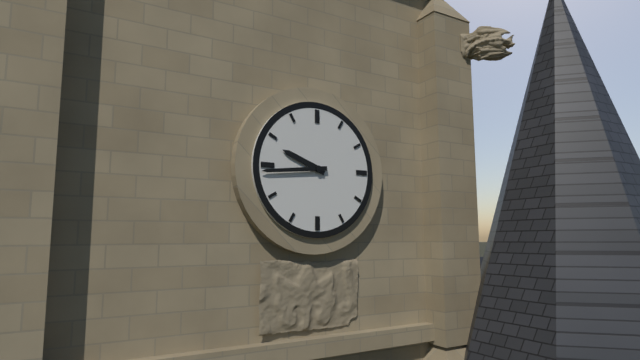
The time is 9h44
